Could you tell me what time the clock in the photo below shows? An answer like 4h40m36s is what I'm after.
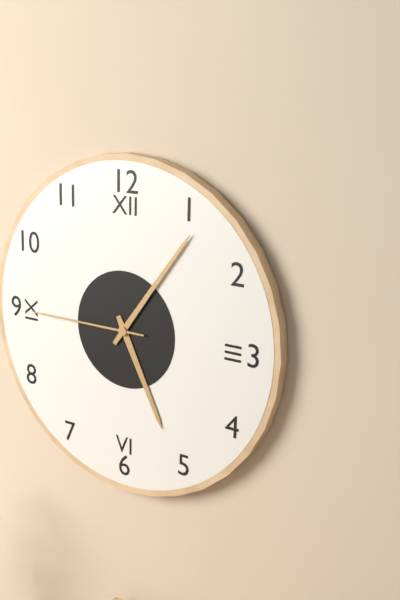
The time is 5h06m45s
